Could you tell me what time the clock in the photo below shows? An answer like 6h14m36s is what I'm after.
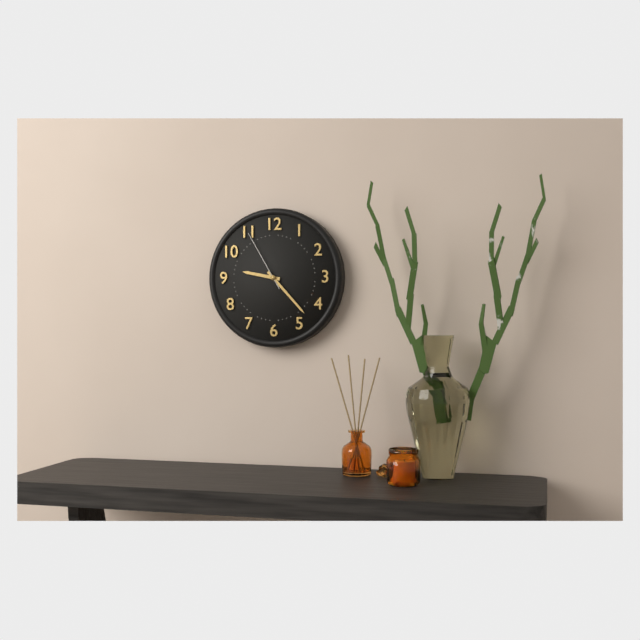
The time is 9h23m55s
